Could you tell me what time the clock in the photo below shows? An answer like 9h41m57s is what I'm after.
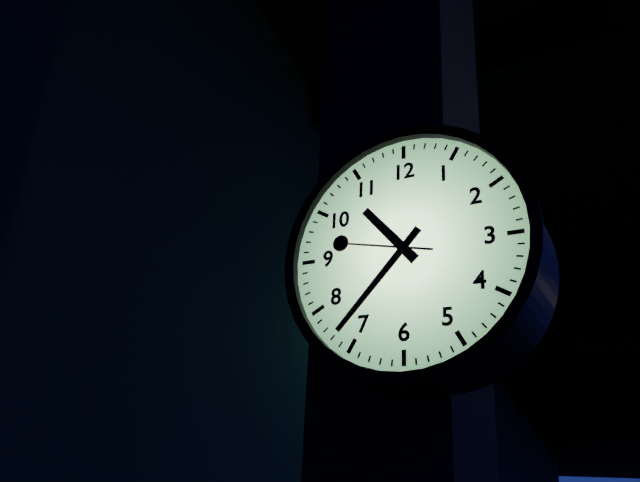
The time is 10h37m47s
